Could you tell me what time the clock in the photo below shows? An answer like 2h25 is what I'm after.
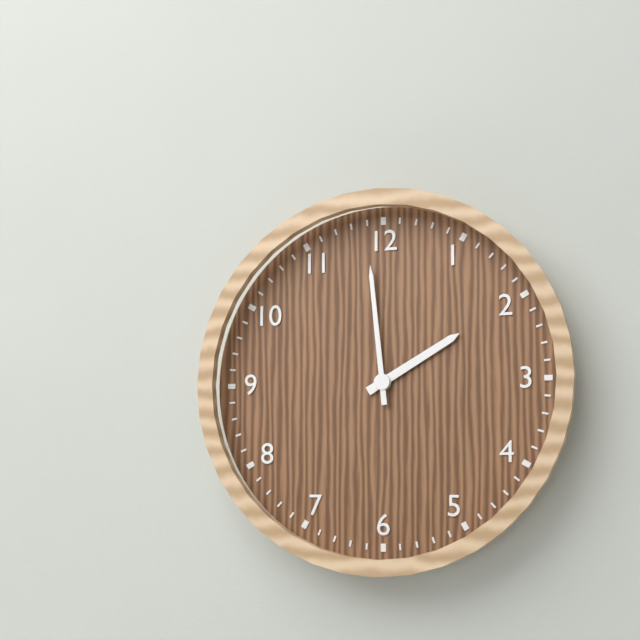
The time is 1h59
